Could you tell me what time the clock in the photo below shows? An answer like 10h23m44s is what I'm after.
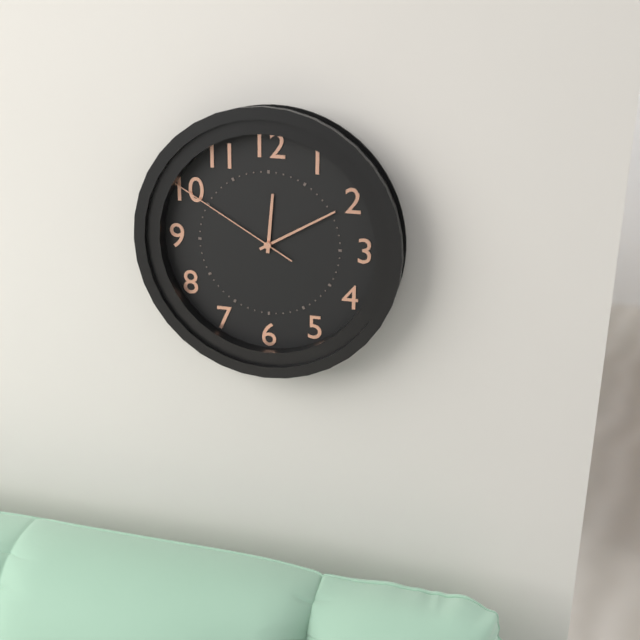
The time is 12h10m50s
